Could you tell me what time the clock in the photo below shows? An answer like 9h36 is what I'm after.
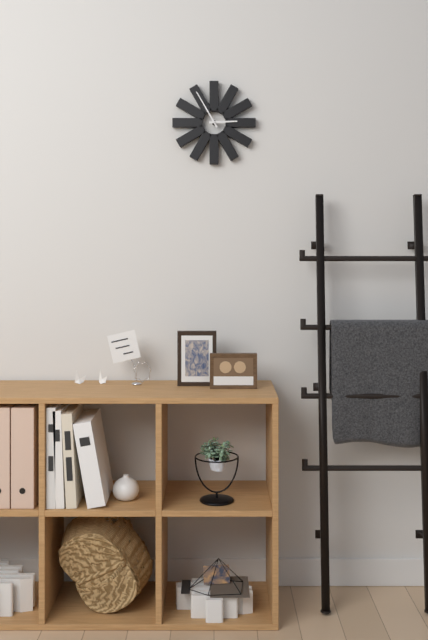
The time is 2h55
